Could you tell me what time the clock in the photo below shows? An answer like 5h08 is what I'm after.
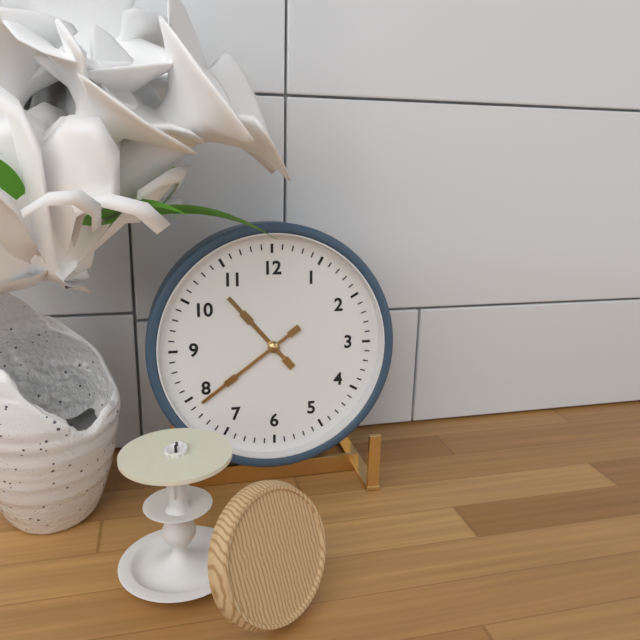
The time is 10h39
